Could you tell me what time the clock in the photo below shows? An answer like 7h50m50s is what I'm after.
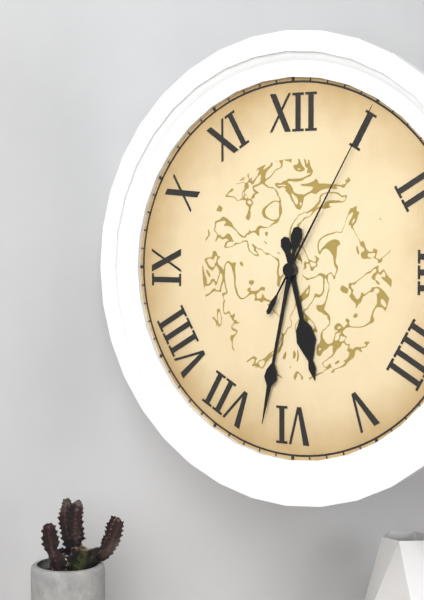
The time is 5h32m05s
